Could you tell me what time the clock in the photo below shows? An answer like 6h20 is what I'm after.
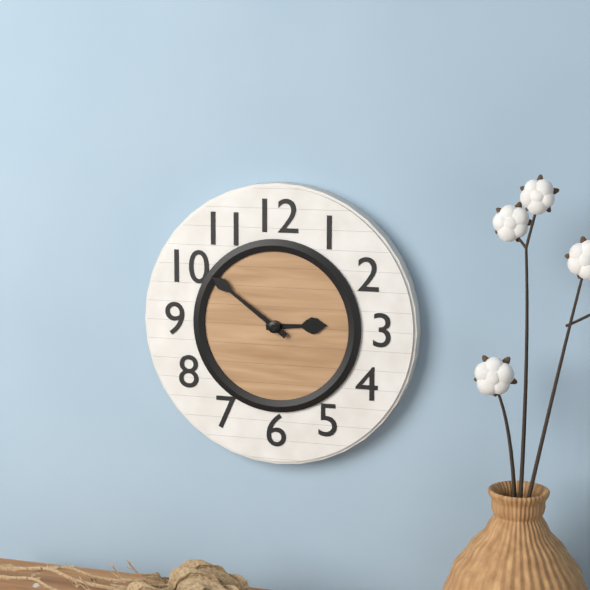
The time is 2h51
